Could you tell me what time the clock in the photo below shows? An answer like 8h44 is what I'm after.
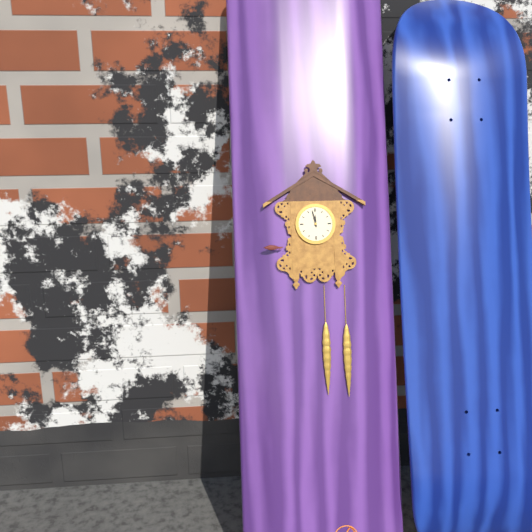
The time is 11h58
